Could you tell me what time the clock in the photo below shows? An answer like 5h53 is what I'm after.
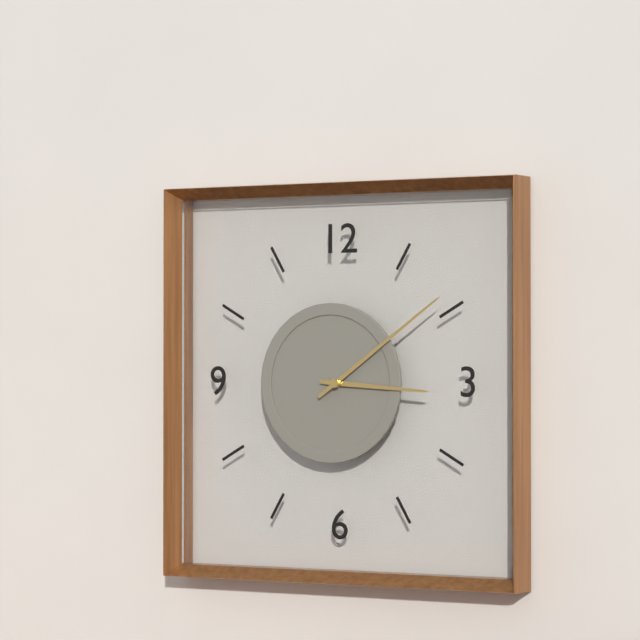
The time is 3h09
